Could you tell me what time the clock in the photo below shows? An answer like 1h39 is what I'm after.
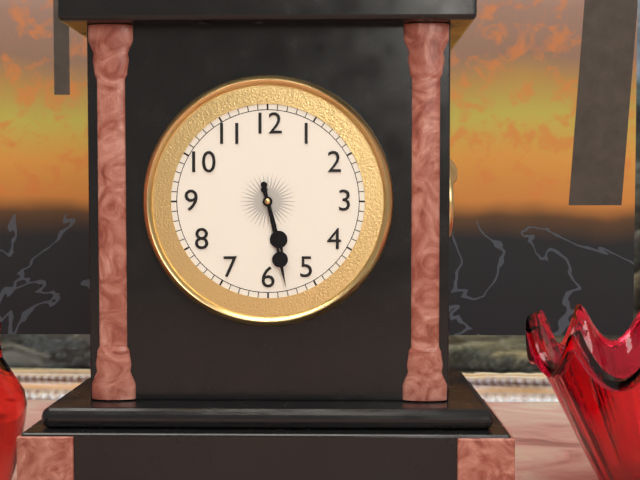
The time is 5h28
